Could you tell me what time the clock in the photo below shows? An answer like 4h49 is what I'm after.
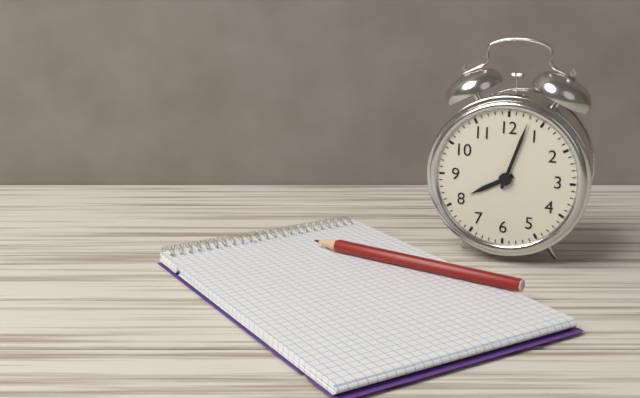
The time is 8h03
